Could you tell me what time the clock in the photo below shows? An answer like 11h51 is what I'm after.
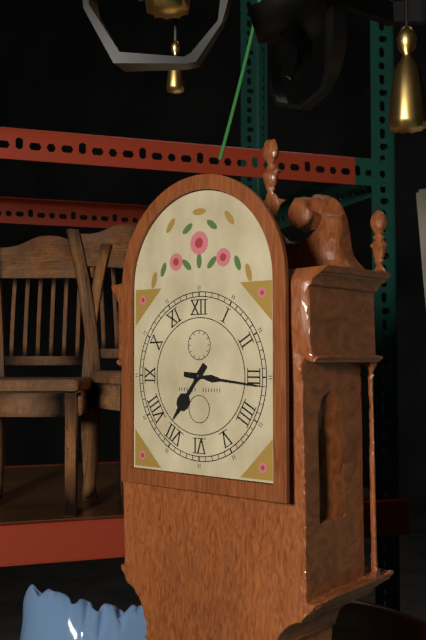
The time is 7h16
